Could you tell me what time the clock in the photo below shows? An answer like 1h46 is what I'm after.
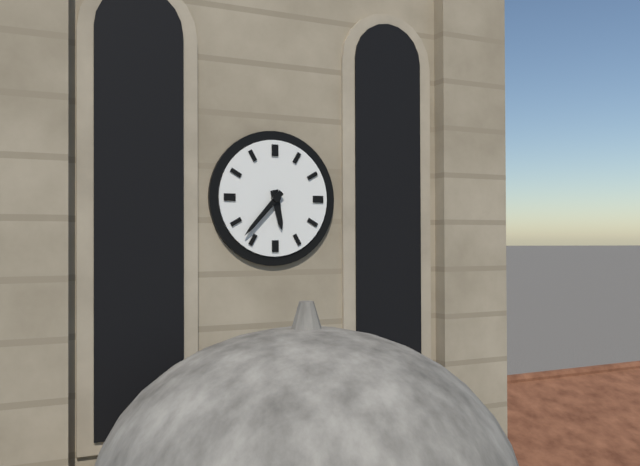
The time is 5h37
